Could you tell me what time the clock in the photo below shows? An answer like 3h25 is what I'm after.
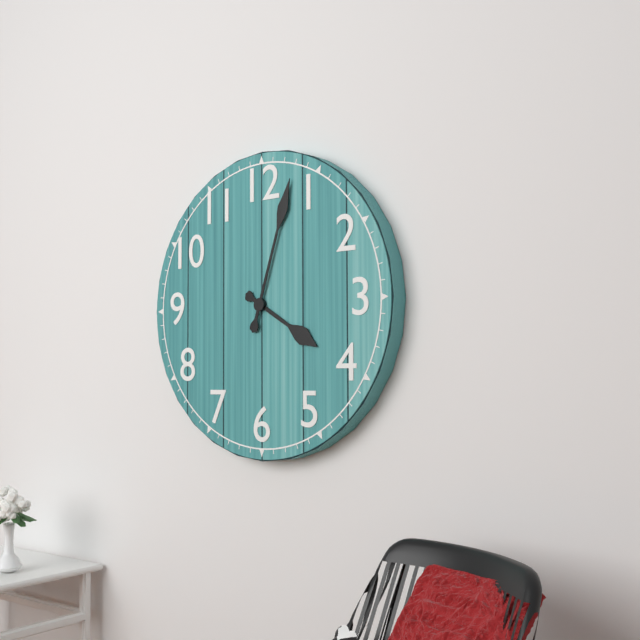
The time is 4h03
